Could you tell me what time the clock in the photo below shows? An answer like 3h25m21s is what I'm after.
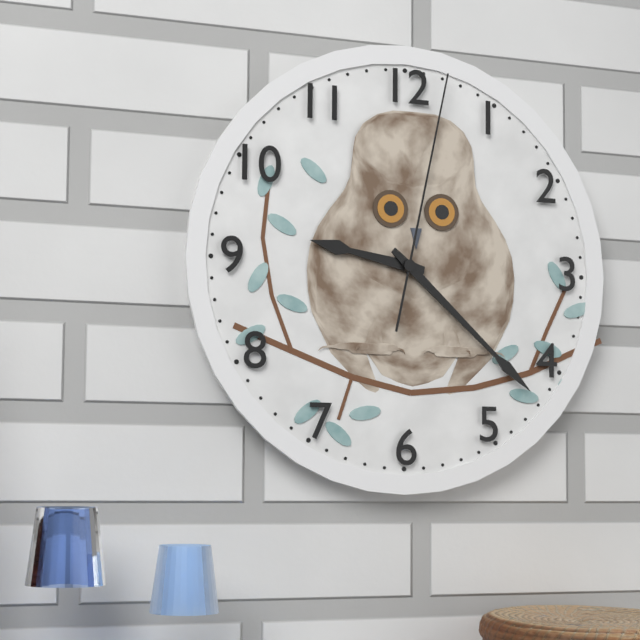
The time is 9h22m02s
